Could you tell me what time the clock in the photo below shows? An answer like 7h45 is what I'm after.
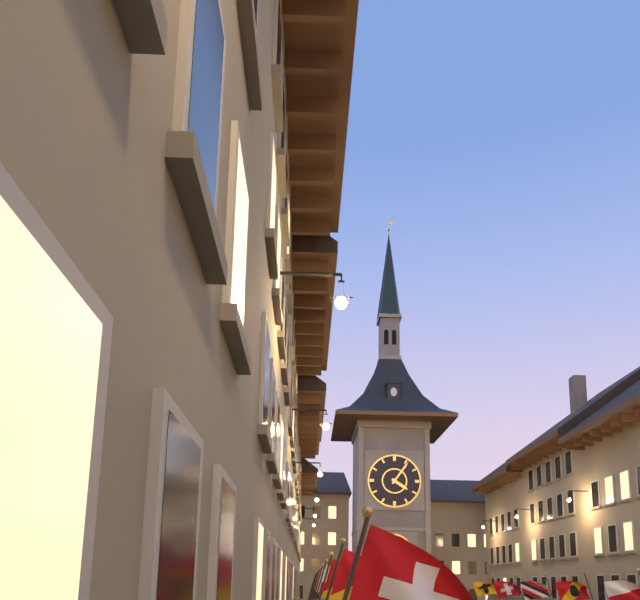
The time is 4h06
